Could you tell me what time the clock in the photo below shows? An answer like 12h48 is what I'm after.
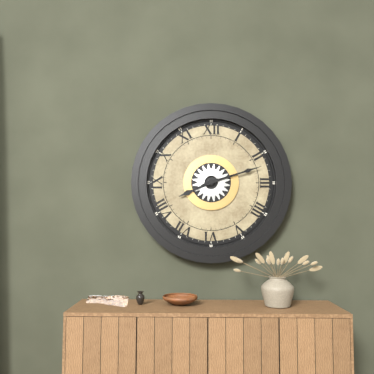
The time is 8h12
